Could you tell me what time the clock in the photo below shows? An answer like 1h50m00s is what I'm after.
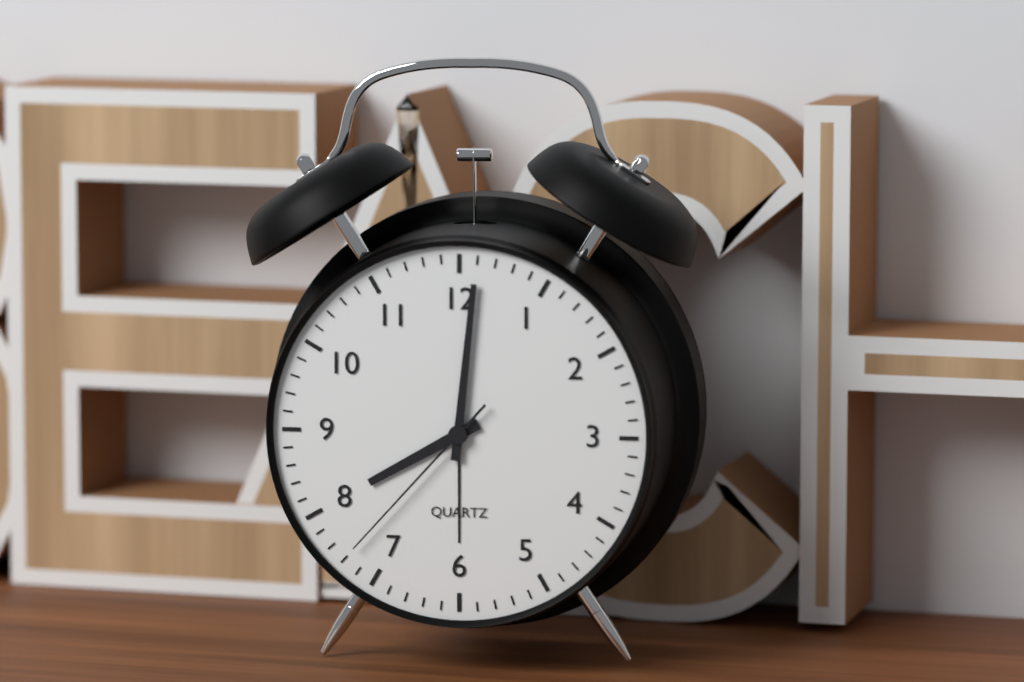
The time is 8h01m37s
